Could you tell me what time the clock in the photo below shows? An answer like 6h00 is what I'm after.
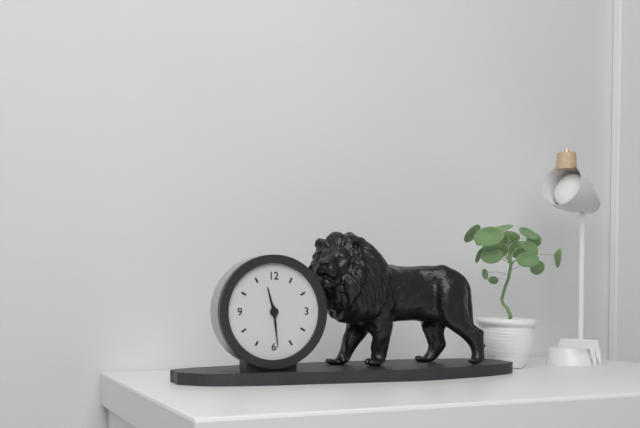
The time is 11h29
